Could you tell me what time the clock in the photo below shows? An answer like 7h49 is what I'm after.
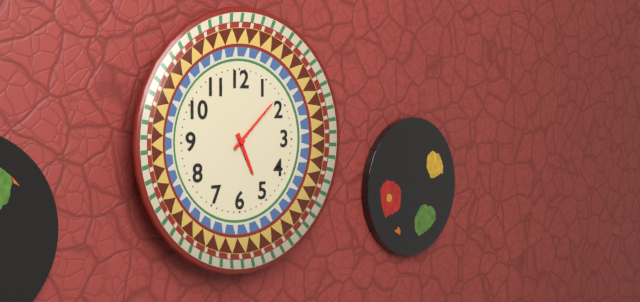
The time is 5h08
